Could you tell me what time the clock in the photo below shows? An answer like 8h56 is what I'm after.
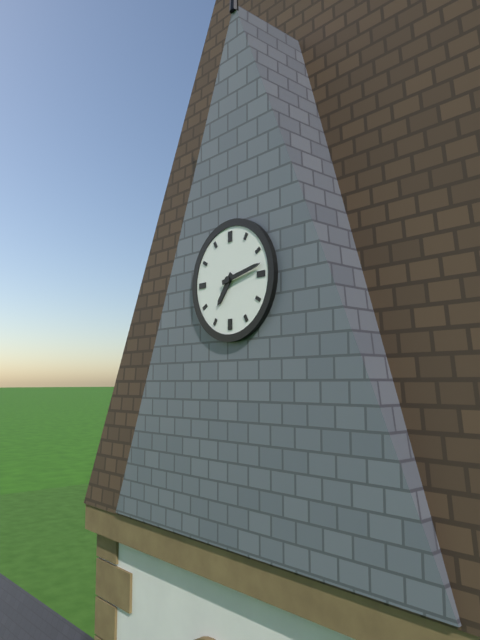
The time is 7h13
